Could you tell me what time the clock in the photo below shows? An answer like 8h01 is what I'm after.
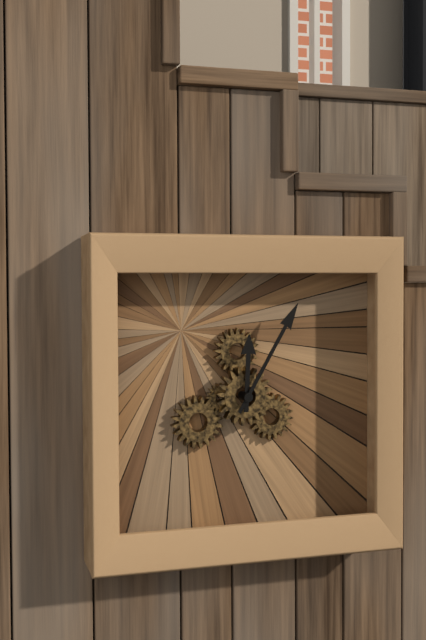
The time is 12h05
